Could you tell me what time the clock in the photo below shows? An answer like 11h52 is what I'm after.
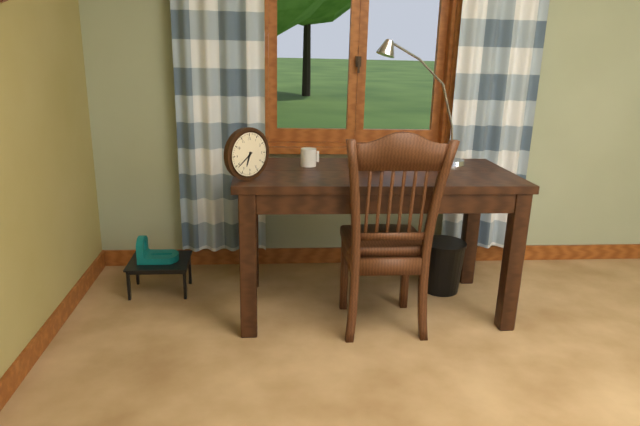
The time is 6h39
